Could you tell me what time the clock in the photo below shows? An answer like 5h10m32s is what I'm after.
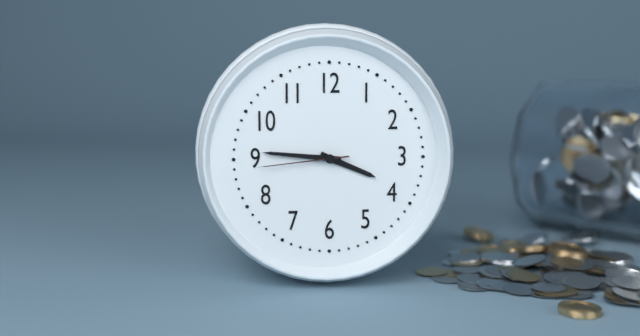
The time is 3h46m44s
